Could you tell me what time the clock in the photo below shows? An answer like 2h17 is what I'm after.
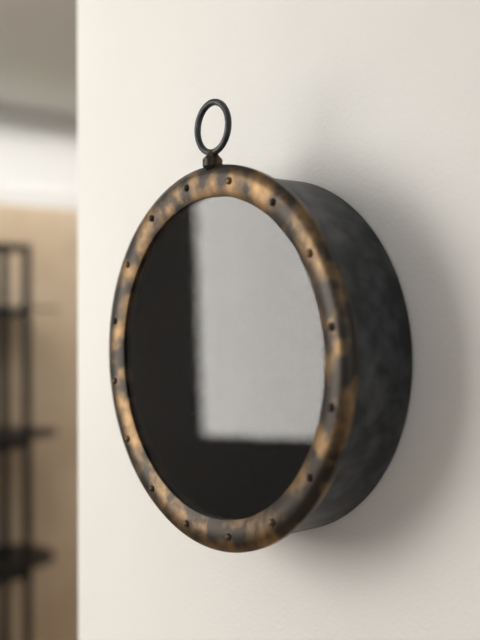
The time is 2h50
